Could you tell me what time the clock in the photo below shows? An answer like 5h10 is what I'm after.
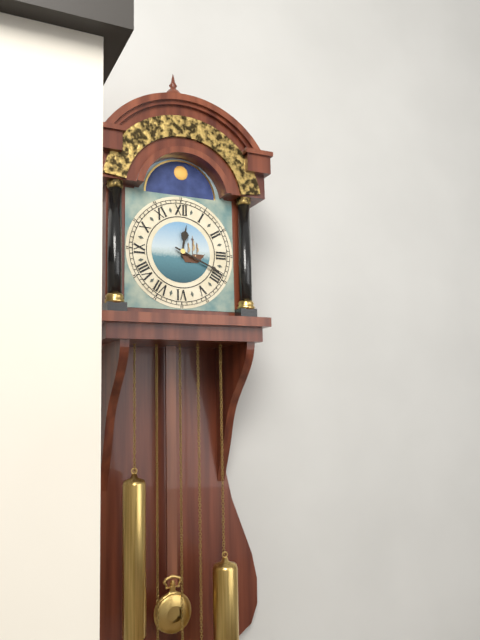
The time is 12h19
